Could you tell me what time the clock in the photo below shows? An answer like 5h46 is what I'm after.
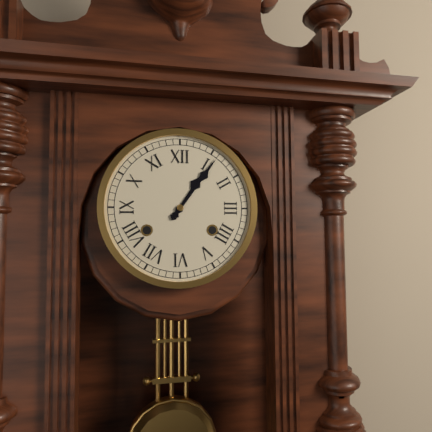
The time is 1h06
